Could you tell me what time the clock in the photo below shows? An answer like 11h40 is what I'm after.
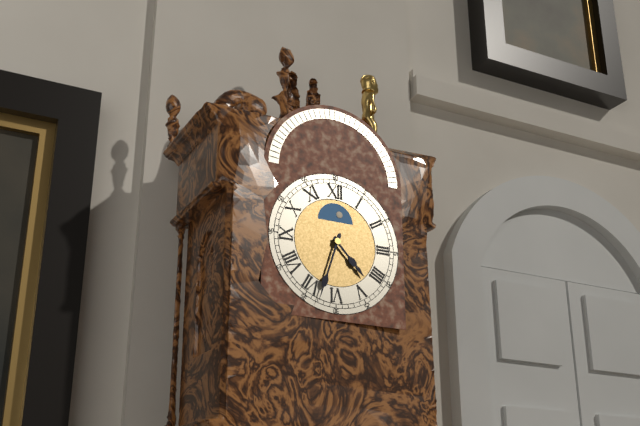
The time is 4h33
